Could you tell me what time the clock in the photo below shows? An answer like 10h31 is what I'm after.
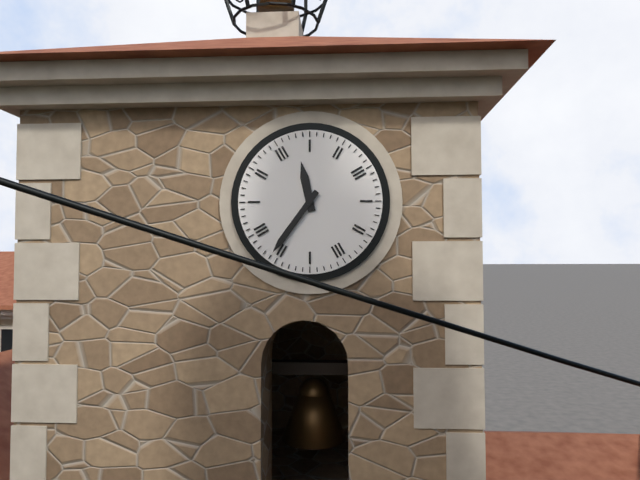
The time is 11h36
